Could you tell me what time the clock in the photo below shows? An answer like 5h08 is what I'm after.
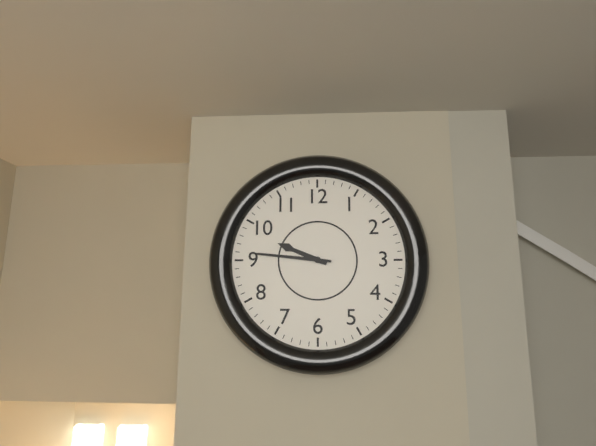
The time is 9h46
